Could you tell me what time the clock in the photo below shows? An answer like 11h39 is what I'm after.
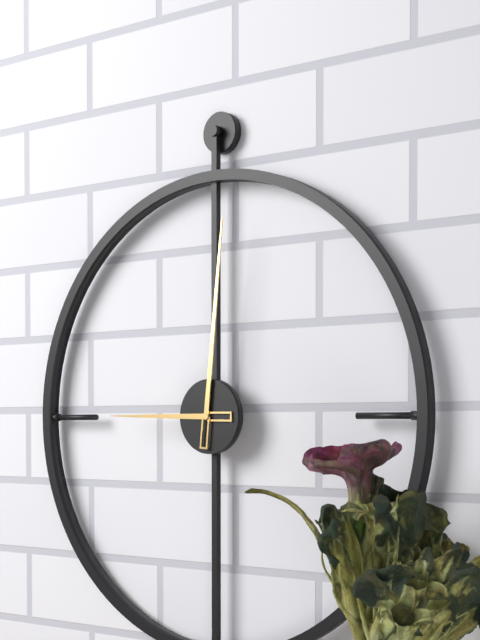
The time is 9h01
